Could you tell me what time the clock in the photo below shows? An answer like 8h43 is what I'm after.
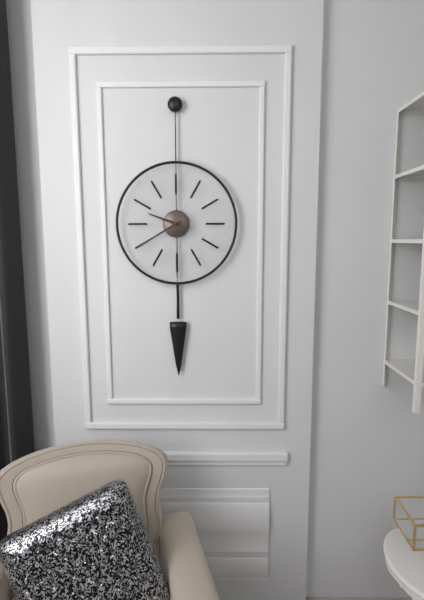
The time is 9h40
